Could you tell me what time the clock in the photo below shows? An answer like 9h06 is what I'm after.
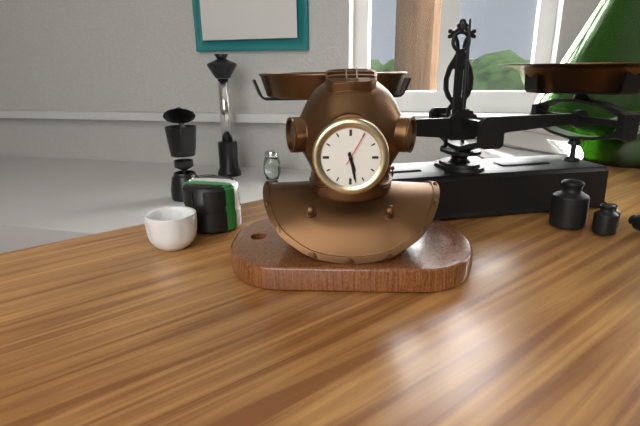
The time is 5h28
